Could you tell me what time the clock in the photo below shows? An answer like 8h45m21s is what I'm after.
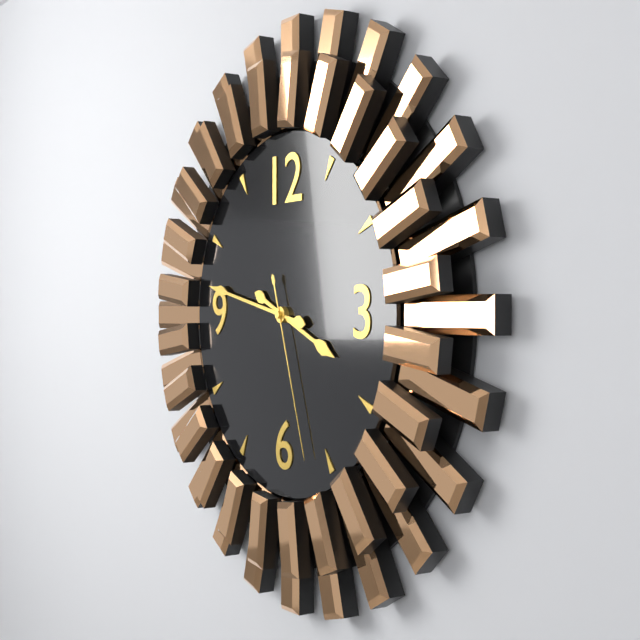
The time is 3h47m27s
